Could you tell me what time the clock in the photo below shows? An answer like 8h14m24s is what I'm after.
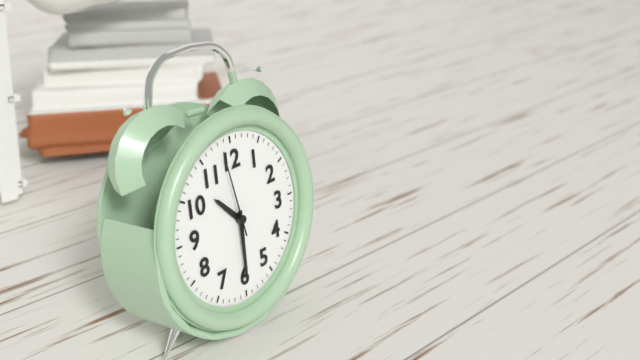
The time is 10h30m58s
